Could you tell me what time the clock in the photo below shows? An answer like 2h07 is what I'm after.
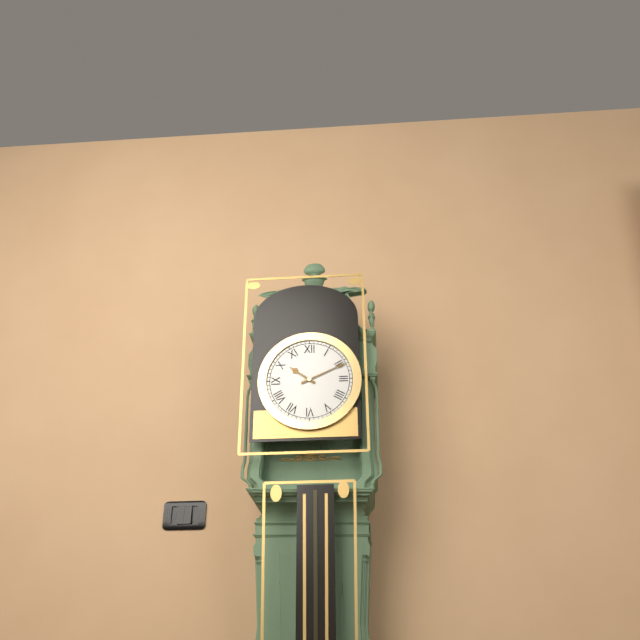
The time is 10h11
